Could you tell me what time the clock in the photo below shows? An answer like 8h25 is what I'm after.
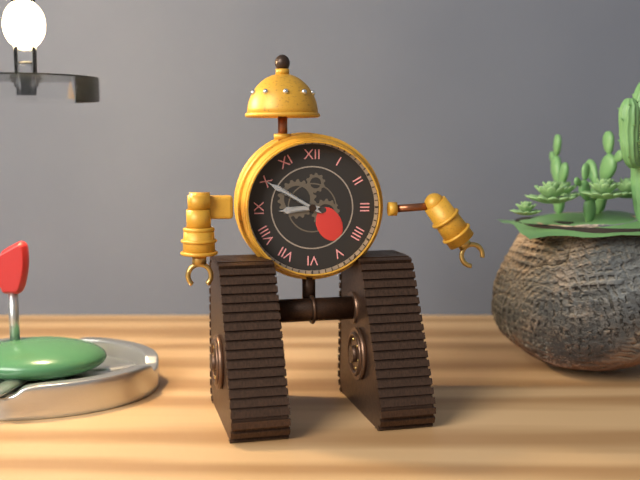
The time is 8h50
